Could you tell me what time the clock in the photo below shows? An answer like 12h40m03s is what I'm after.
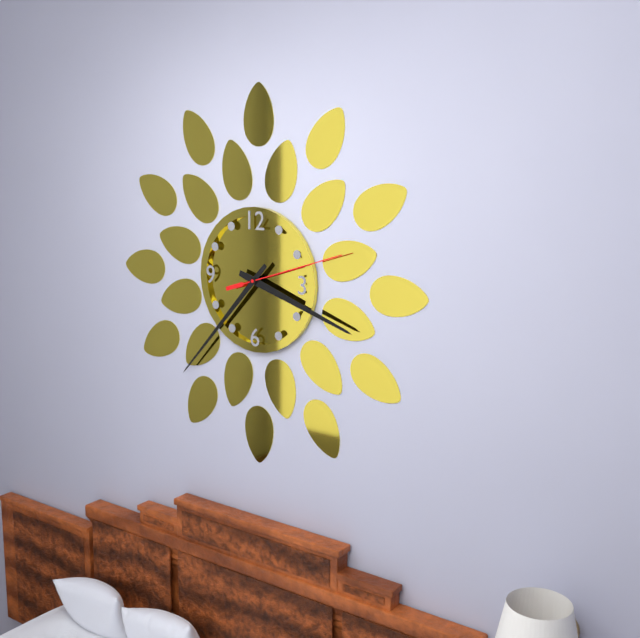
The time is 3h37m12s
